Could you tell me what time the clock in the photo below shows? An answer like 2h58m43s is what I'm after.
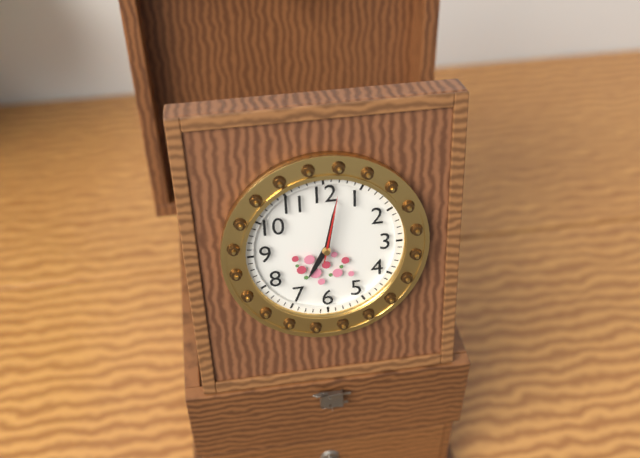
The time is 7h02m02s
